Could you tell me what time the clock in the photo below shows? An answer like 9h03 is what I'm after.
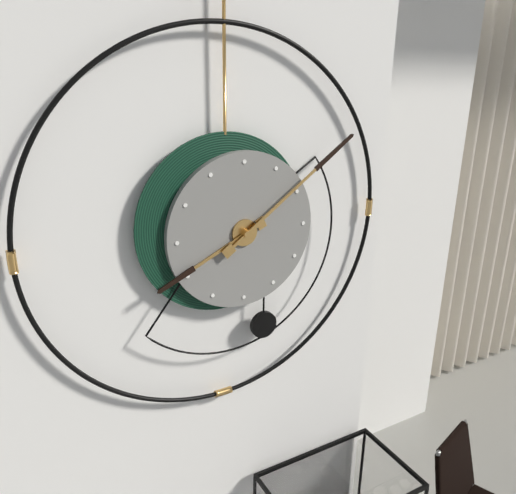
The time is 8h09
